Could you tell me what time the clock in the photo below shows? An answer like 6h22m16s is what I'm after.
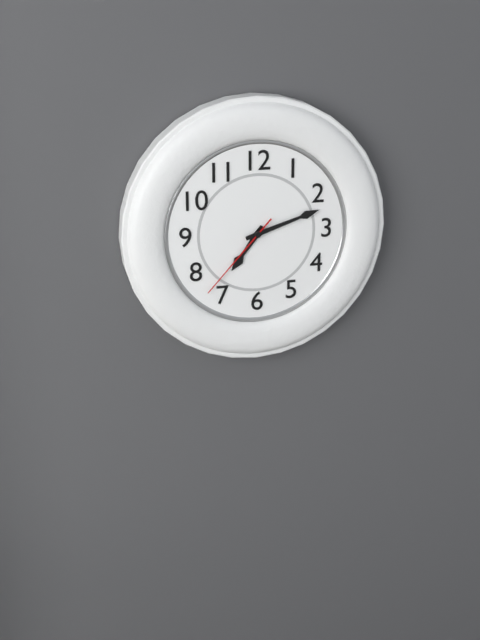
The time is 7h12m37s
